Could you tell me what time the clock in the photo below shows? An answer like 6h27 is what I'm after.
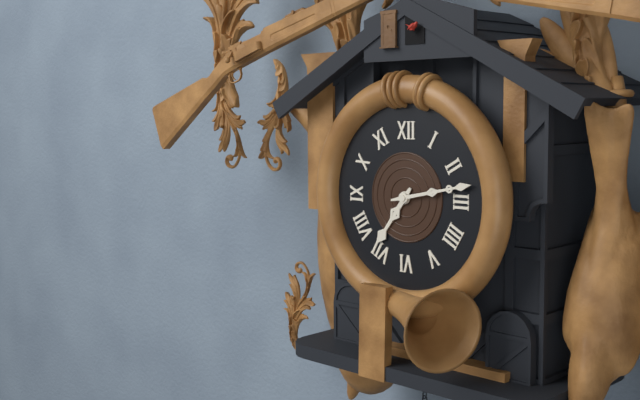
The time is 7h13
